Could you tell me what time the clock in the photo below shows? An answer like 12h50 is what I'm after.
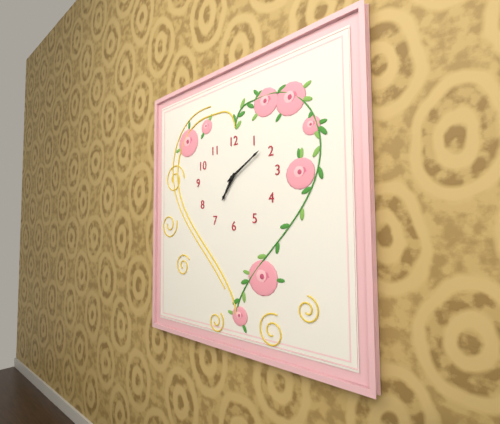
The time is 7h10
